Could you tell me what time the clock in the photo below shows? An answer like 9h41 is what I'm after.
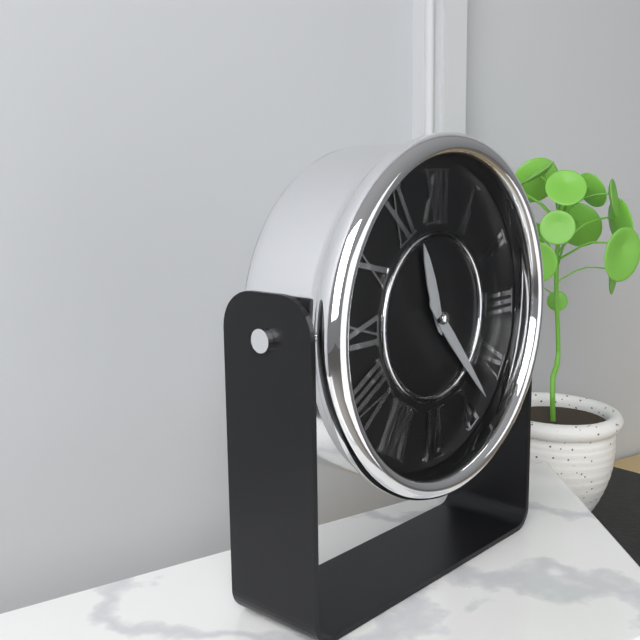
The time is 11h23
